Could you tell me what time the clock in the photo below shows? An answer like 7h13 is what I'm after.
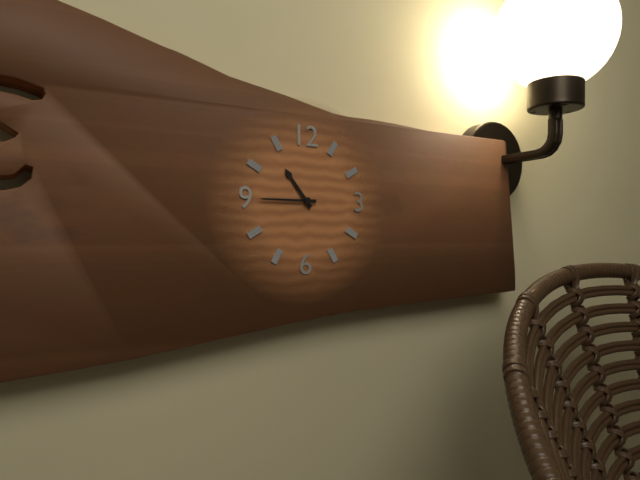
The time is 10h45
